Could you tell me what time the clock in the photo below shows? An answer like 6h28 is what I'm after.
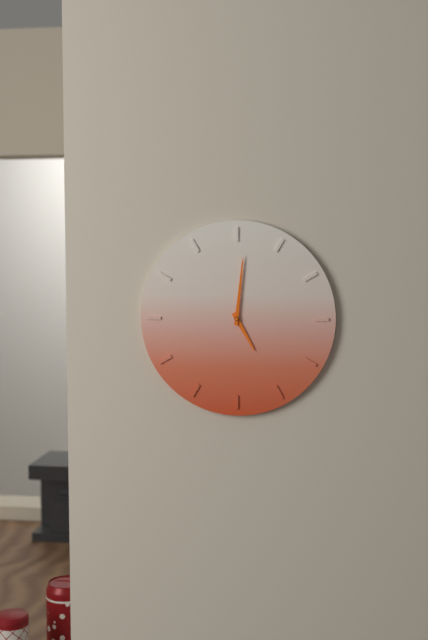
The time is 5h01
